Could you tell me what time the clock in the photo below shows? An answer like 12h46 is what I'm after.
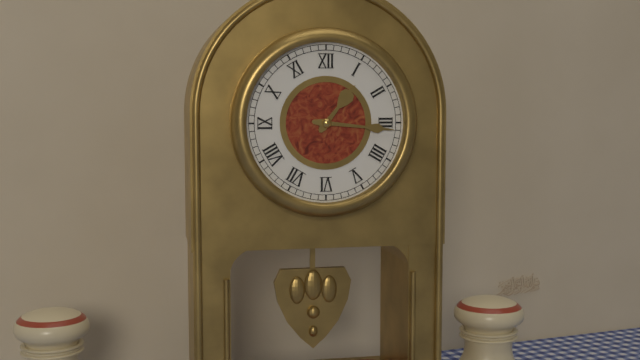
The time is 1h16
